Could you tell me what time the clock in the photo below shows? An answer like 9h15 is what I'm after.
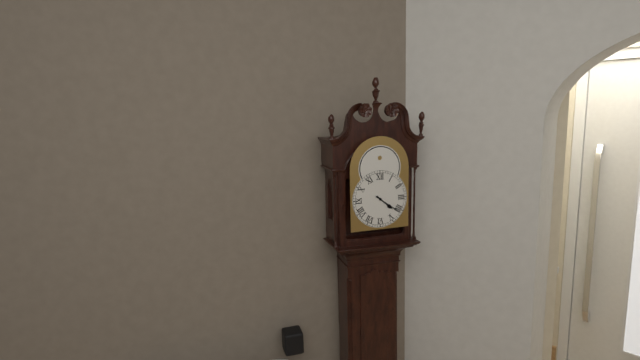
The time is 4h21
